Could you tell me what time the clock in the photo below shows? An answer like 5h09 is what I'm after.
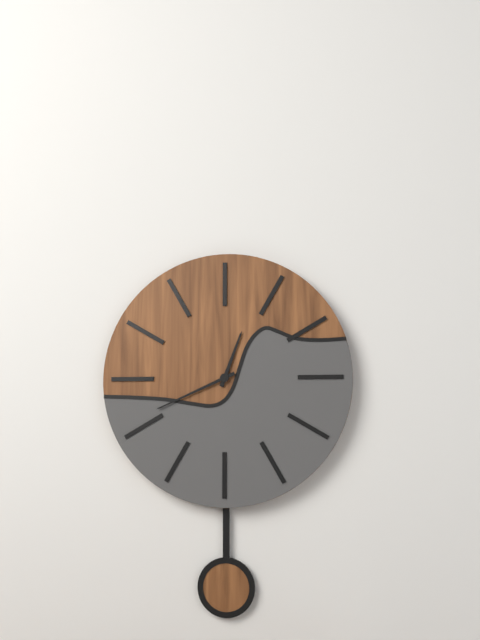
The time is 12h41
